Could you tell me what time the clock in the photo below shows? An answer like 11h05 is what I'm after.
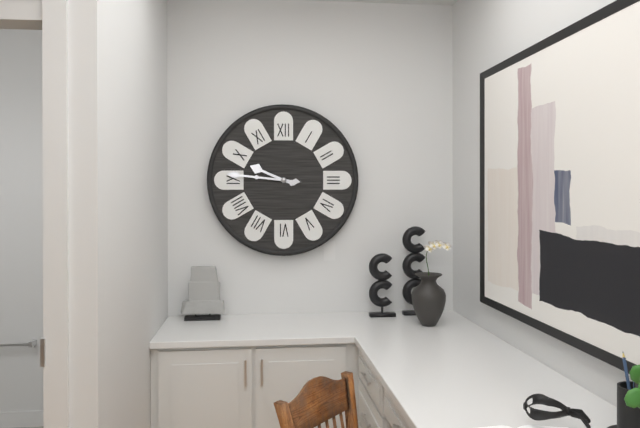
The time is 9h46
